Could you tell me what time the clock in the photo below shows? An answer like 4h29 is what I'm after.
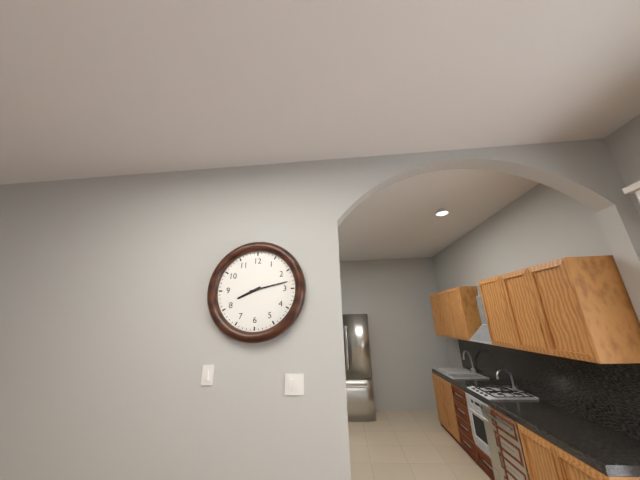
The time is 8h13
